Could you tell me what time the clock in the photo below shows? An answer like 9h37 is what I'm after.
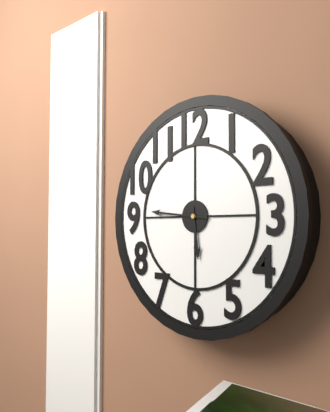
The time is 5h46
